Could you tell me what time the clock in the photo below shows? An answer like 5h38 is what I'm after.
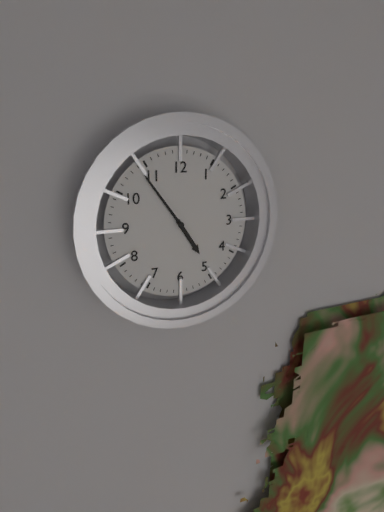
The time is 4h54
